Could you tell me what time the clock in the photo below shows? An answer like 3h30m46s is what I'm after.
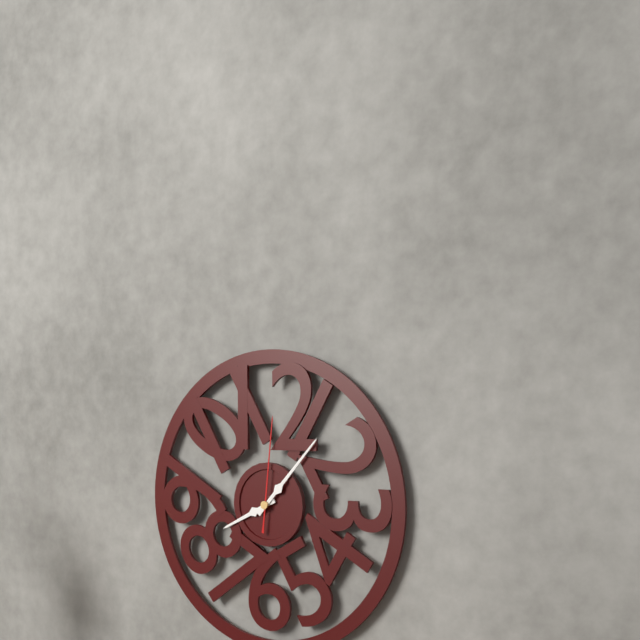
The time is 8h07m01s
